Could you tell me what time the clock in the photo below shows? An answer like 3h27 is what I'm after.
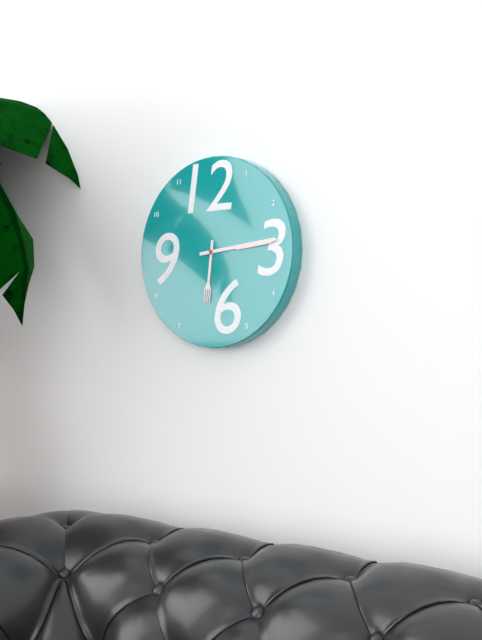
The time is 6h14
